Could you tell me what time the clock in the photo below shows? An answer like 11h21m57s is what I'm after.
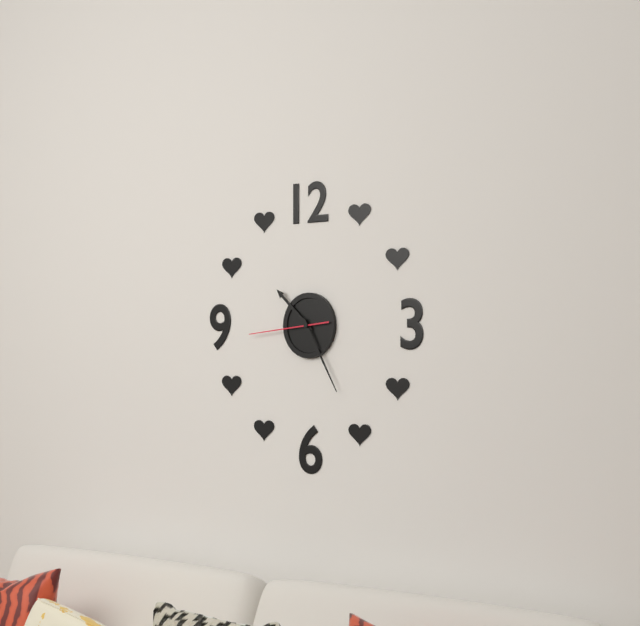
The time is 10h25m44s
